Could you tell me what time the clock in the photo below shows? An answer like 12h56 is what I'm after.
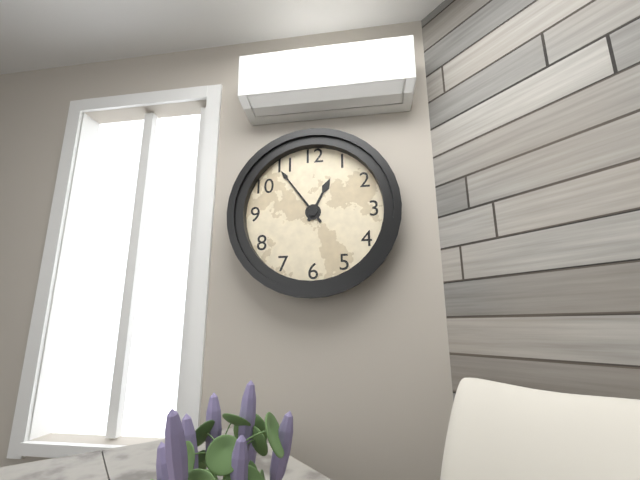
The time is 12h54
